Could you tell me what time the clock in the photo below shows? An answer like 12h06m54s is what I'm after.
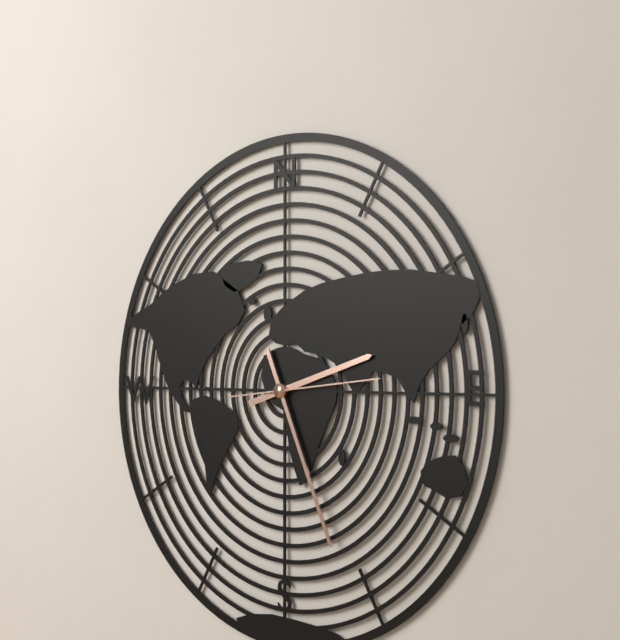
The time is 2h26m14s
